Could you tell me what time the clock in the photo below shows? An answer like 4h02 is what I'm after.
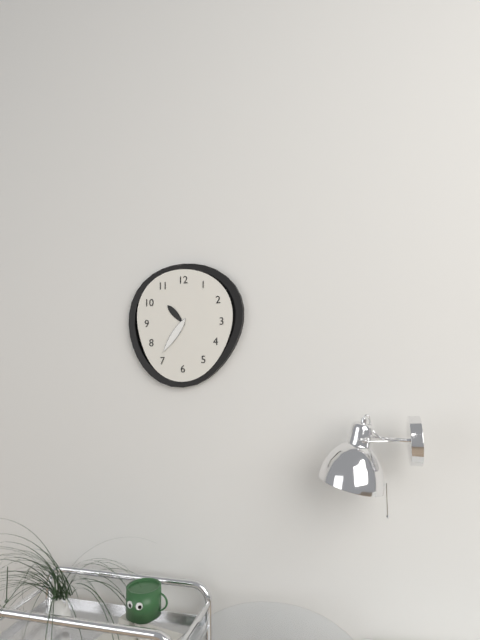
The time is 10h36
